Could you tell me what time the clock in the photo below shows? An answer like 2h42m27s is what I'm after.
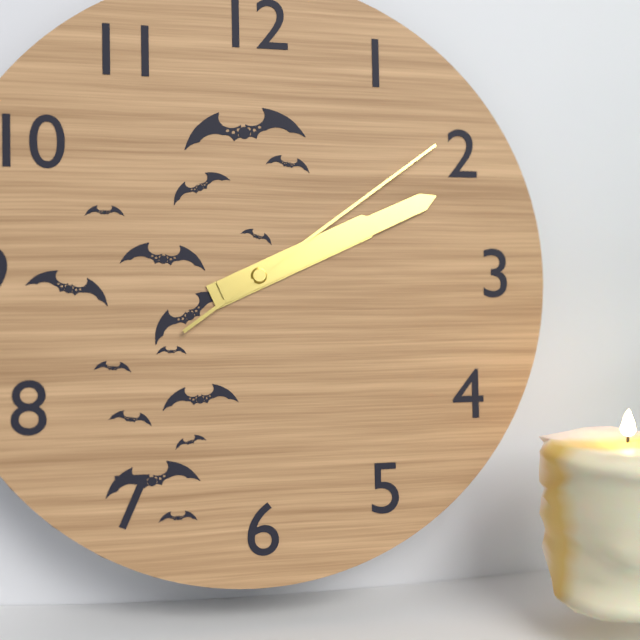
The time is 2h11m09s
